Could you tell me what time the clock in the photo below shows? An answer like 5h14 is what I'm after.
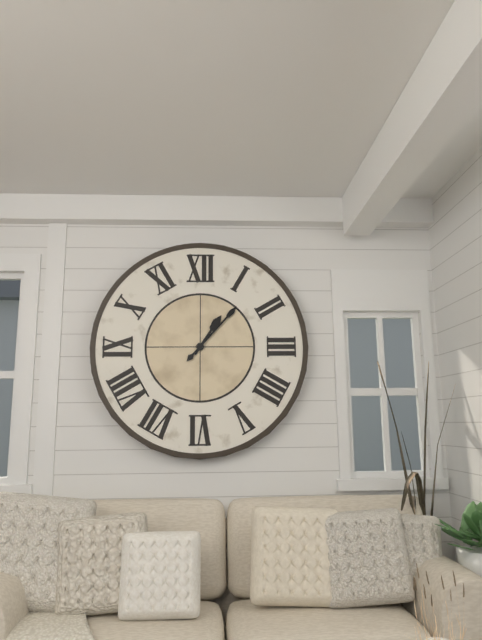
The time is 1h07
